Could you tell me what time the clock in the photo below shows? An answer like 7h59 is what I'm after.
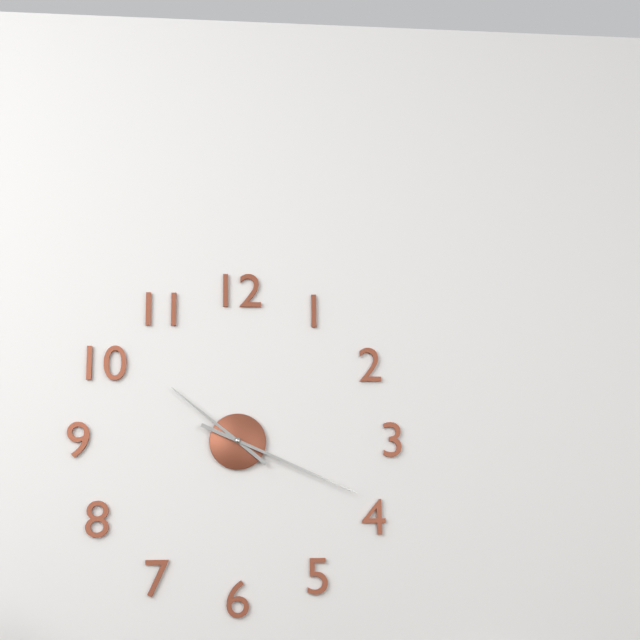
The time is 10h19
